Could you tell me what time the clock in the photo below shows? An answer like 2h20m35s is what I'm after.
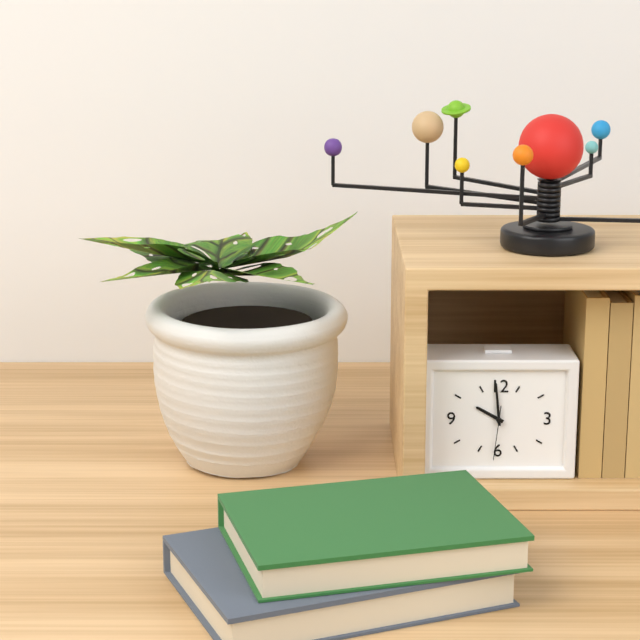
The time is 9h59m31s
